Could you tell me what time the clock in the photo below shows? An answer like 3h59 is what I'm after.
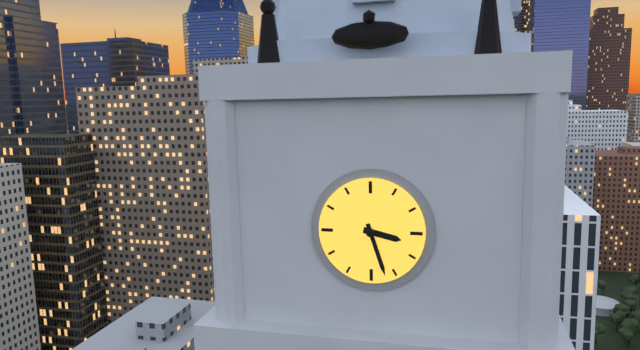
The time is 3h27
